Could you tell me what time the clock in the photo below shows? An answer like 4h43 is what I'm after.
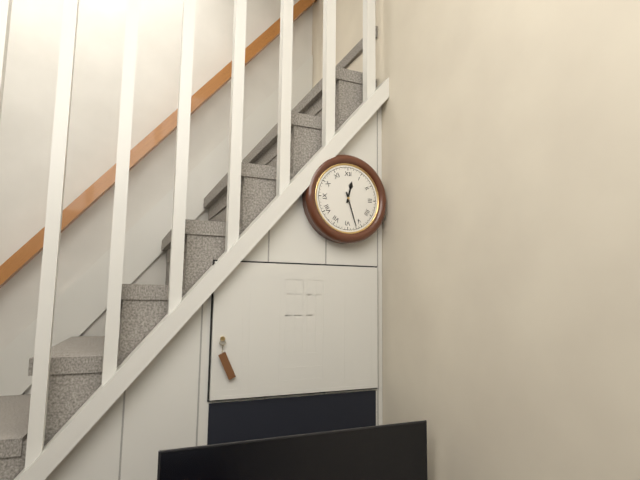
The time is 12h27
